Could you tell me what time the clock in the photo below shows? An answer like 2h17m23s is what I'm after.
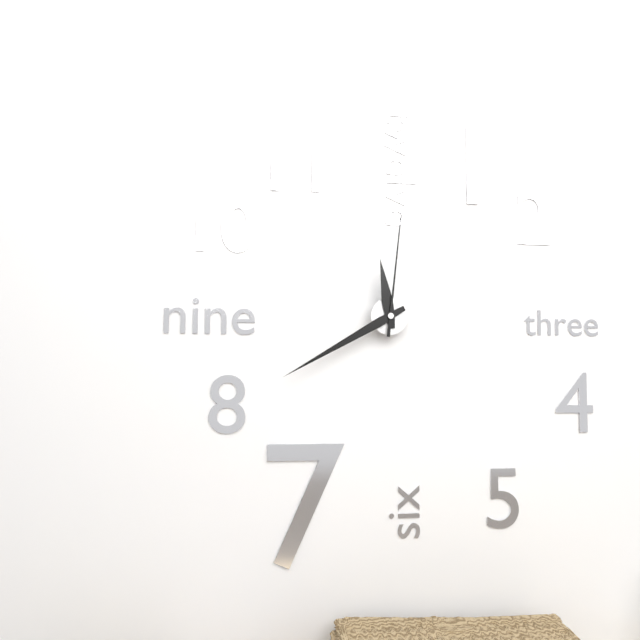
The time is 11h40m01s
